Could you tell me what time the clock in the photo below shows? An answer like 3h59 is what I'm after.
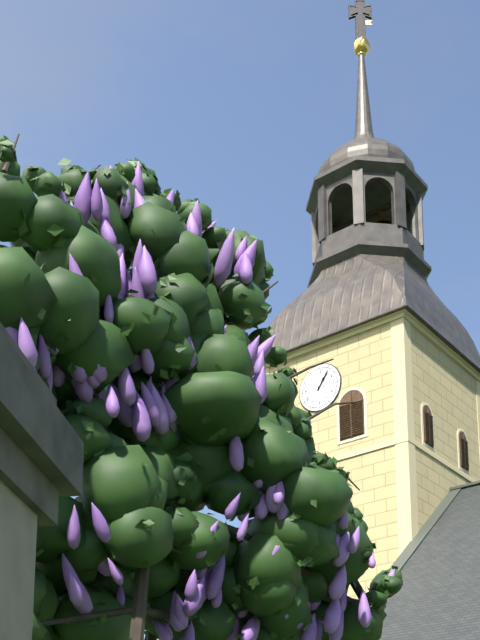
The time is 1h06
